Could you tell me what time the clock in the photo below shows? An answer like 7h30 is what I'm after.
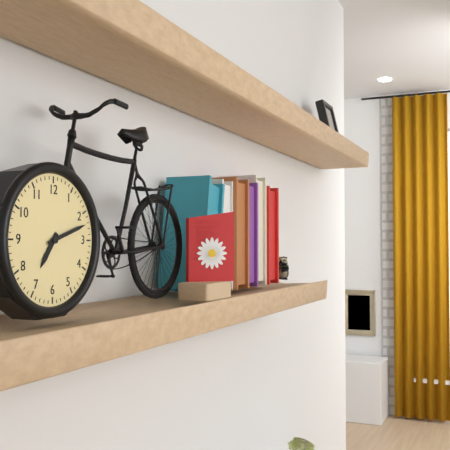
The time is 7h12
